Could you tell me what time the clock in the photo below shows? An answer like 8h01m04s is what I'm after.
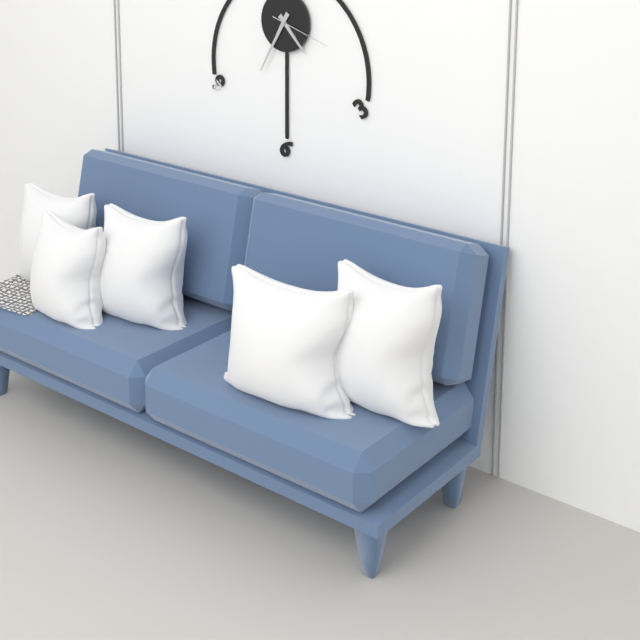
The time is 4h35m18s
